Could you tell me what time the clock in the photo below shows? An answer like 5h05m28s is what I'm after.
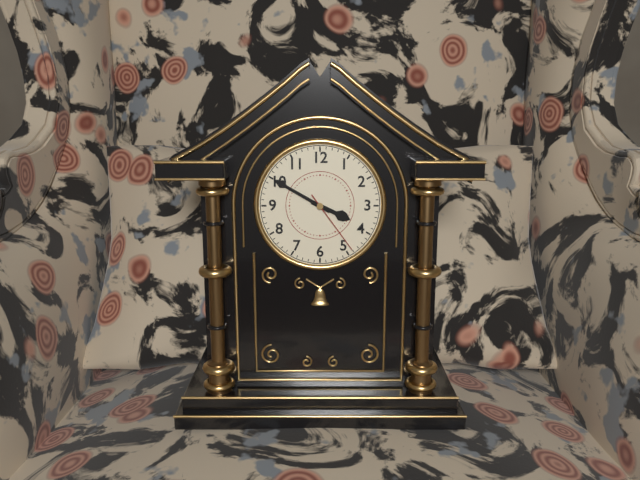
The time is 3h50m24s
